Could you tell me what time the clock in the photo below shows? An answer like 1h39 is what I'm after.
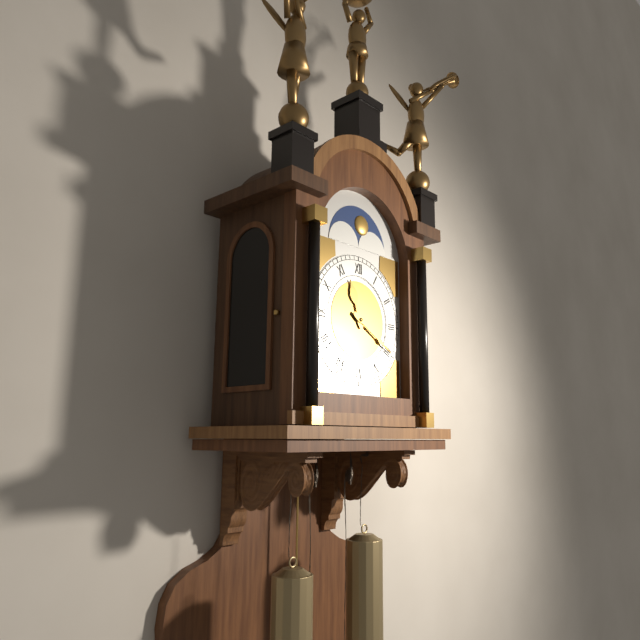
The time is 11h20
